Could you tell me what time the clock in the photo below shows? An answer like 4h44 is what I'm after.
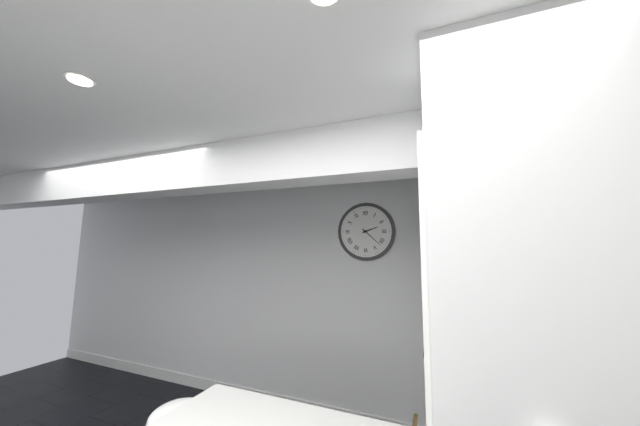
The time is 2h22
